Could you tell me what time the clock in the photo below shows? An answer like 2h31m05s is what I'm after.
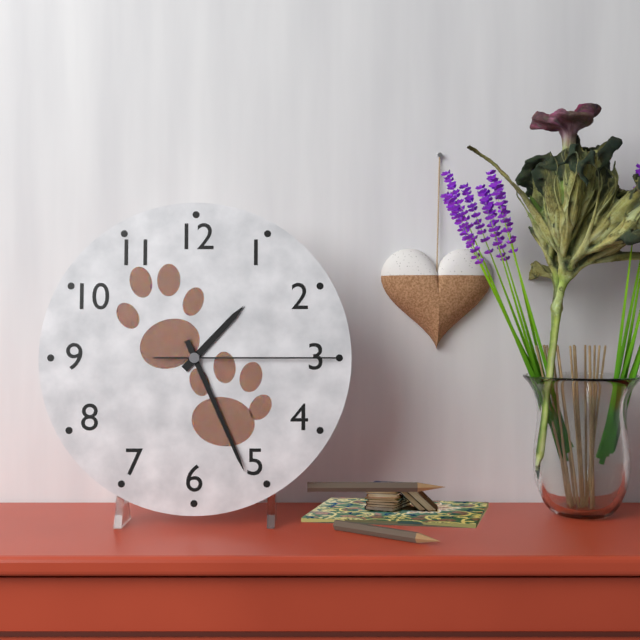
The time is 1h26m15s
